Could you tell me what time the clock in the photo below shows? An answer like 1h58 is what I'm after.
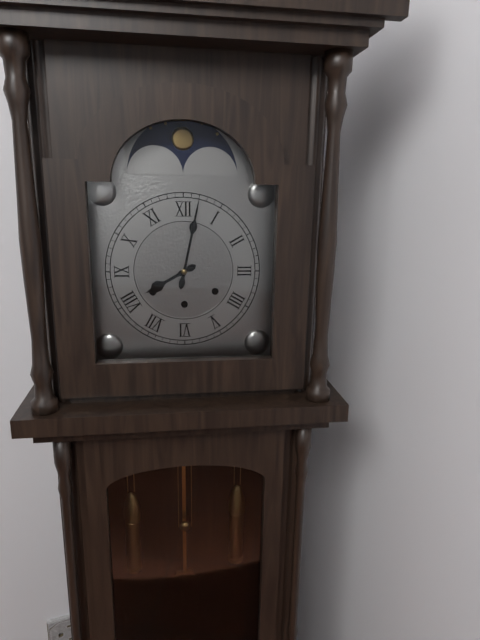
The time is 8h02
